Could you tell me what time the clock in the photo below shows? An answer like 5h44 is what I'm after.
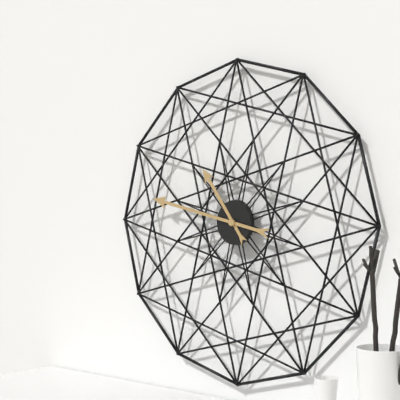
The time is 10h47
